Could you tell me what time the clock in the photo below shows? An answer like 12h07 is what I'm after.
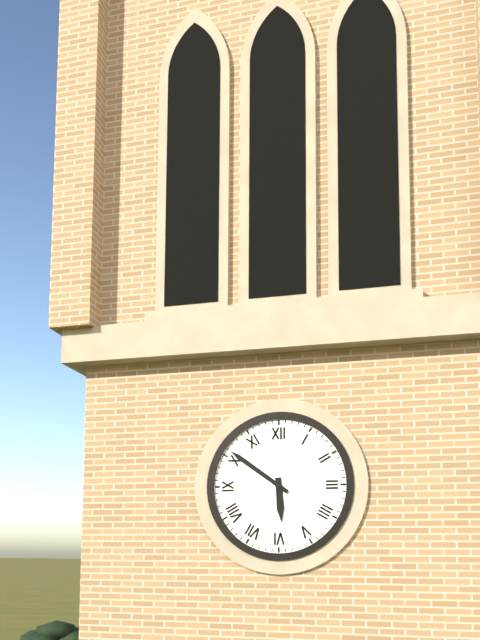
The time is 5h51
